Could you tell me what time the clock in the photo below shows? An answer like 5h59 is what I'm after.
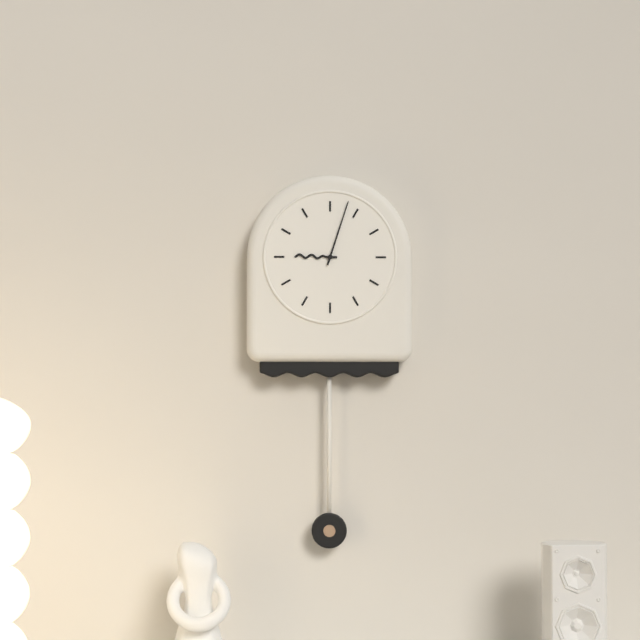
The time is 9h03
